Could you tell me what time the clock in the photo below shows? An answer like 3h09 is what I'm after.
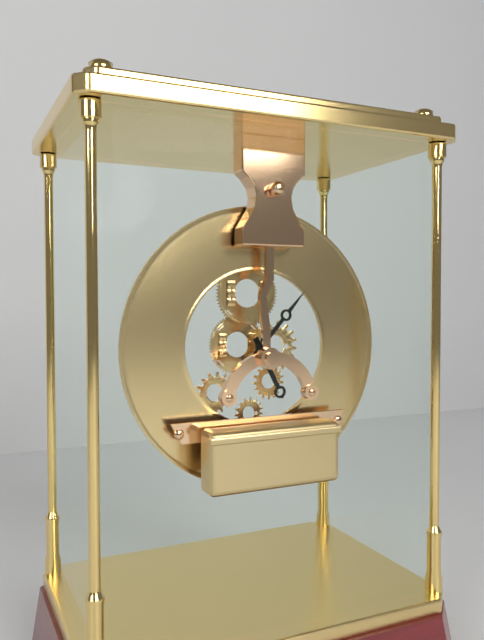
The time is 5h07
